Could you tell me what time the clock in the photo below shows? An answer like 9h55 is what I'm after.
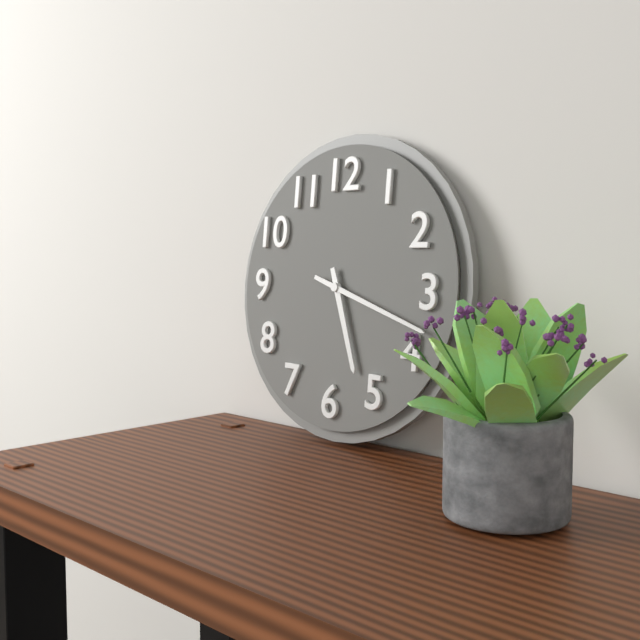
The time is 5h18
